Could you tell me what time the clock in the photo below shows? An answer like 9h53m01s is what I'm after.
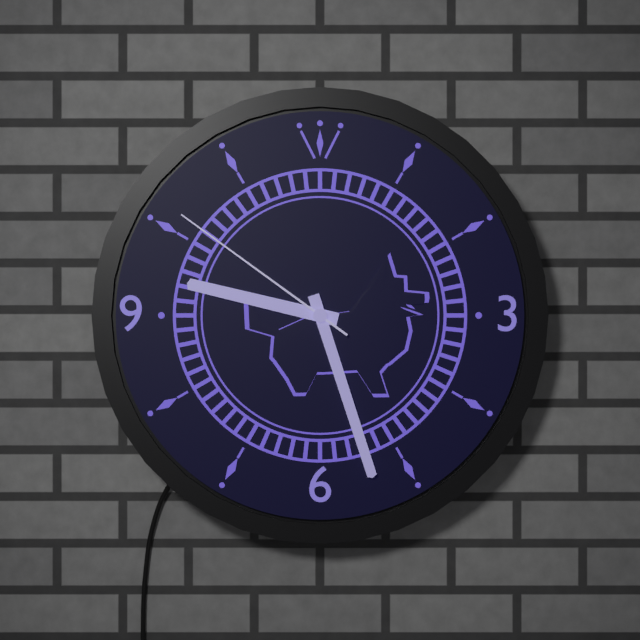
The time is 9h27m51s
